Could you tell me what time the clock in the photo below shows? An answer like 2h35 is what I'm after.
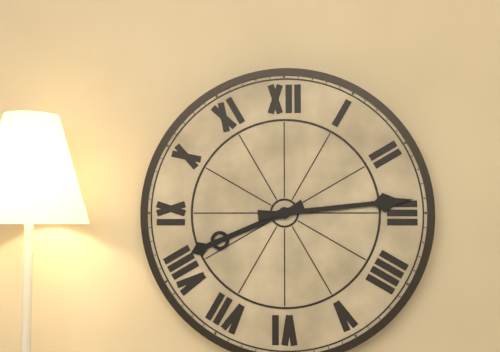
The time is 8h14
